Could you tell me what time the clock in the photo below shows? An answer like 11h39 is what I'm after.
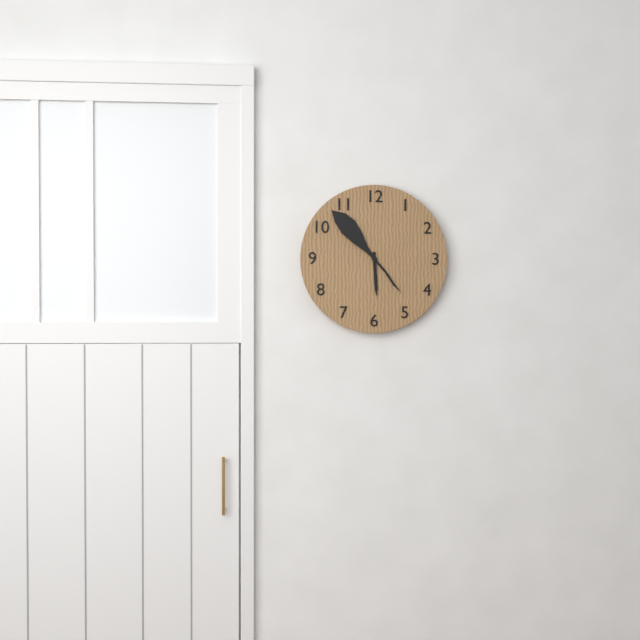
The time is 5h53
